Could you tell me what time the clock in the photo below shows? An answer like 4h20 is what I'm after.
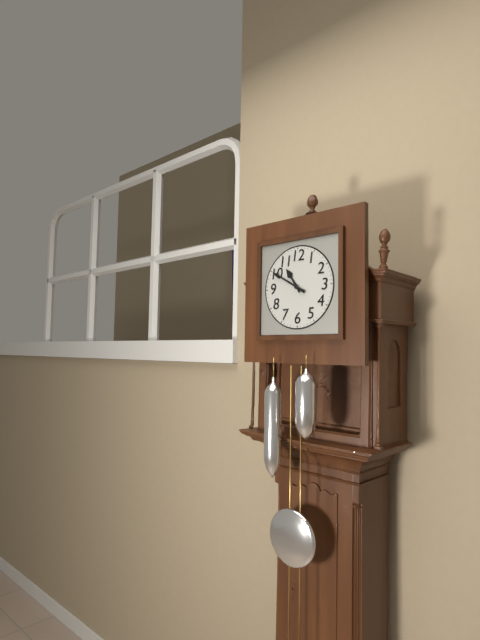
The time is 10h50
